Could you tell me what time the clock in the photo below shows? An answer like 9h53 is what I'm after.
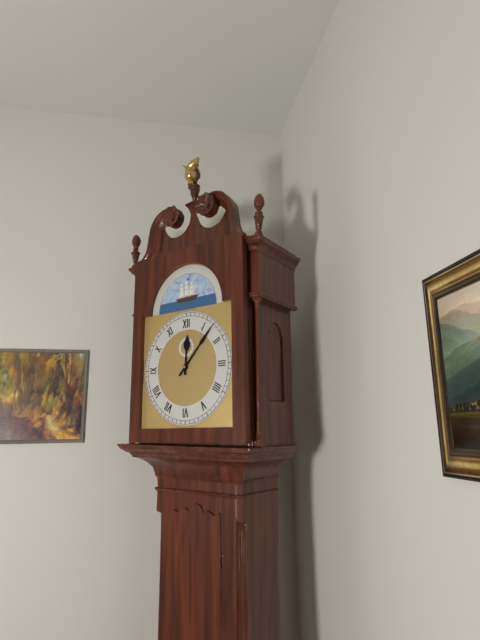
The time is 12h07
